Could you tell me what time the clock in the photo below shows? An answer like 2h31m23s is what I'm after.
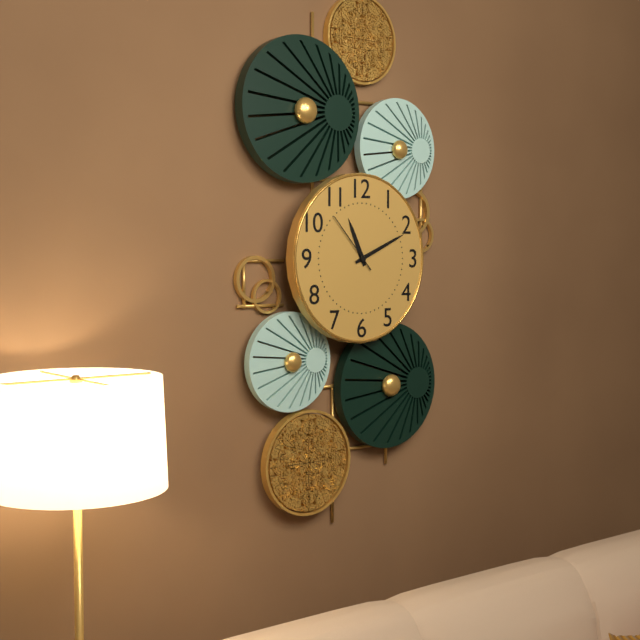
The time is 11h11m53s
